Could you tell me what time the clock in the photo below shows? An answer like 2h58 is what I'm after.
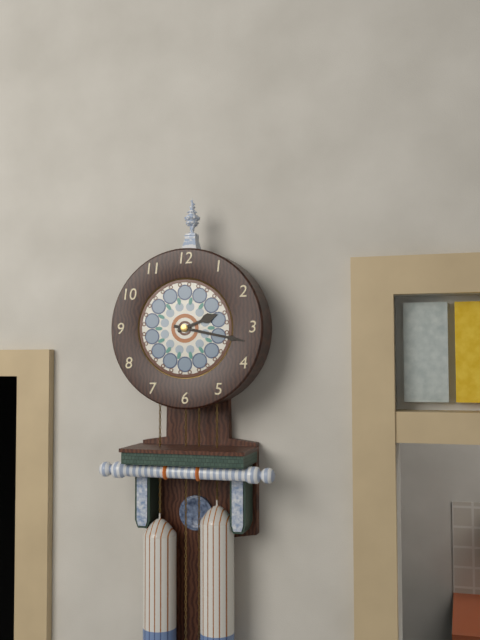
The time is 2h17
